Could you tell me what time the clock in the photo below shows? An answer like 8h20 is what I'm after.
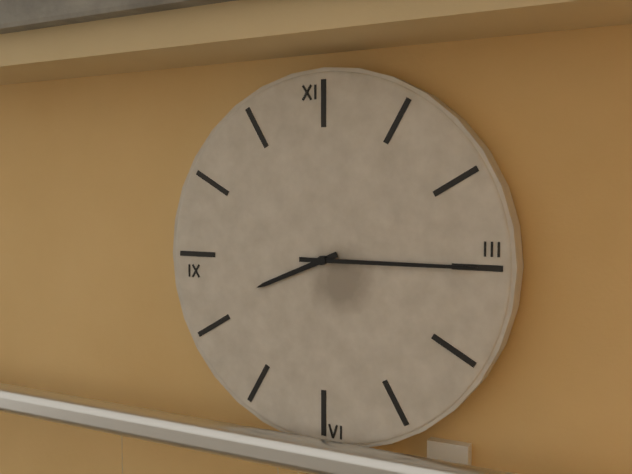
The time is 8h15
